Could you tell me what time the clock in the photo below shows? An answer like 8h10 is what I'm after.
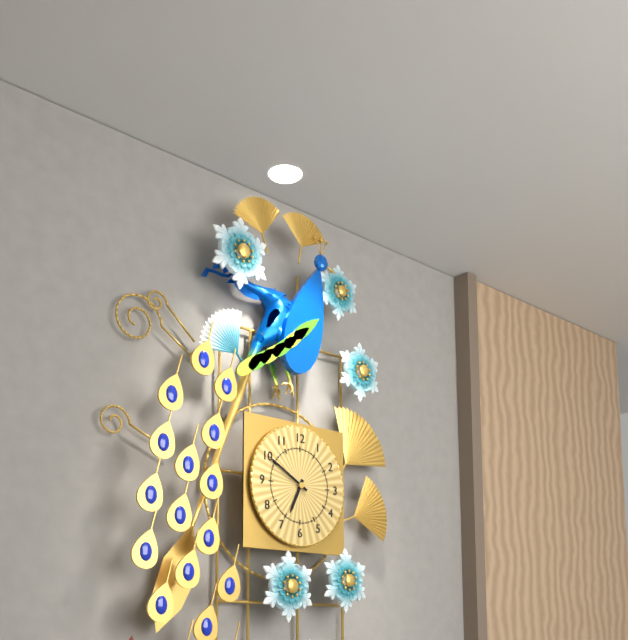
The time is 6h50
